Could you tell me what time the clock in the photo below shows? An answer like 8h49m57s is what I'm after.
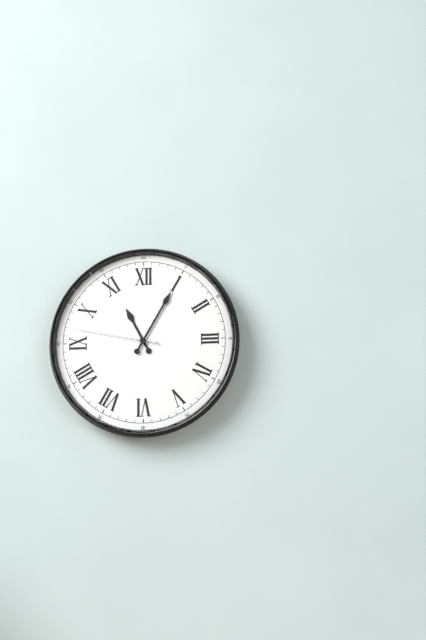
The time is 11h05m47s
